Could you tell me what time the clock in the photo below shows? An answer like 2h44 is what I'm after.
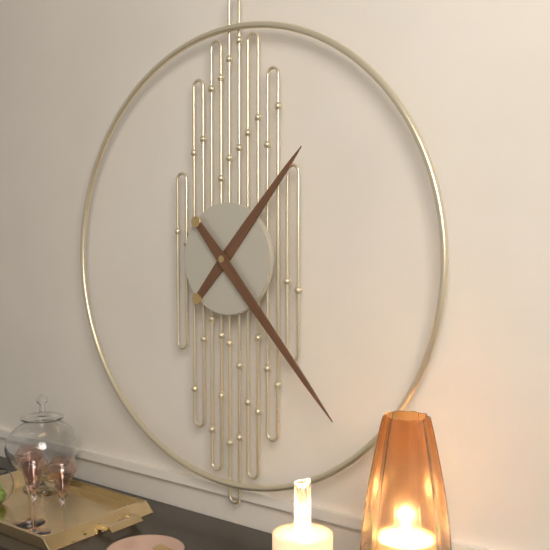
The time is 1h23
